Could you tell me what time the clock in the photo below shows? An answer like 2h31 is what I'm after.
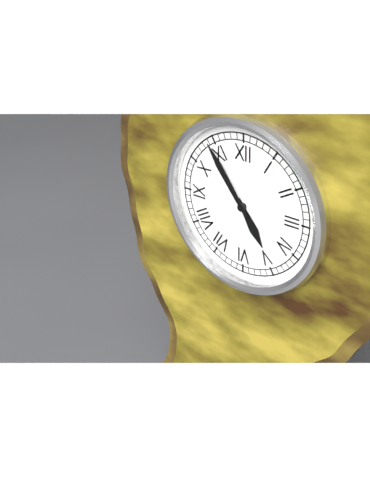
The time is 4h54
